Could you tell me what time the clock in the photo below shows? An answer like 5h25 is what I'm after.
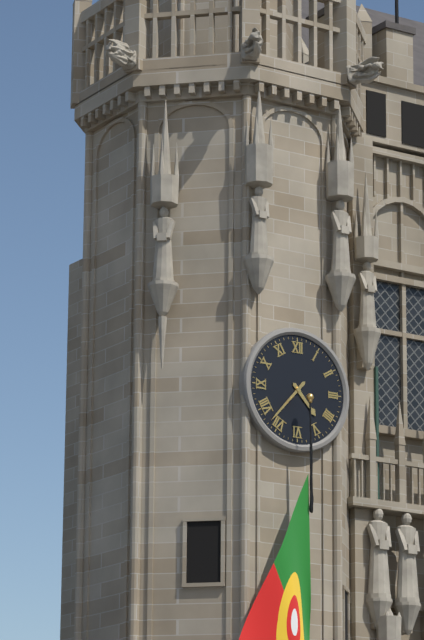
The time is 4h37
